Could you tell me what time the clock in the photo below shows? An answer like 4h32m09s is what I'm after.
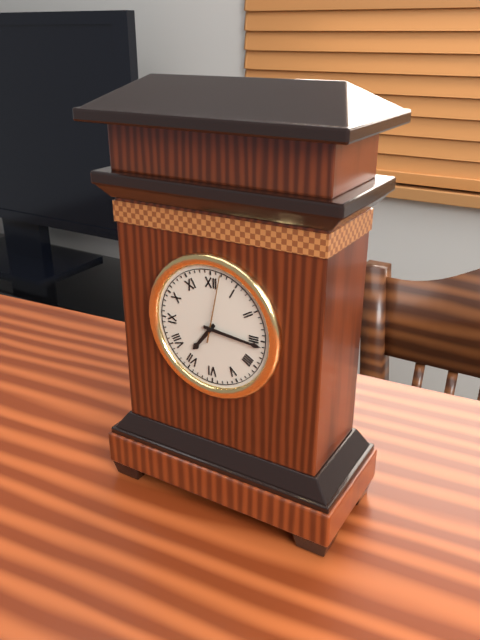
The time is 7h16m02s
